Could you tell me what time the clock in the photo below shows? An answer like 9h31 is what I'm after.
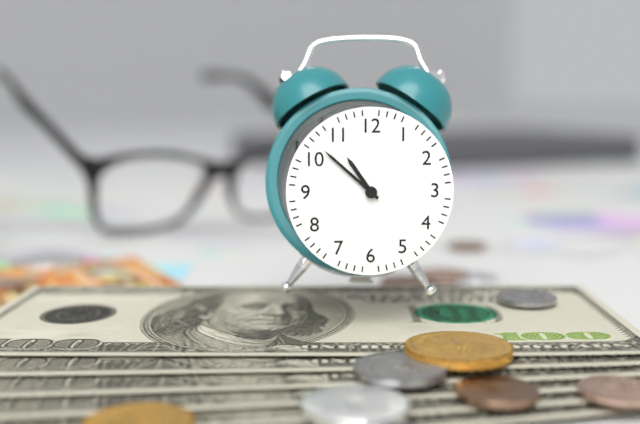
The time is 10h52
